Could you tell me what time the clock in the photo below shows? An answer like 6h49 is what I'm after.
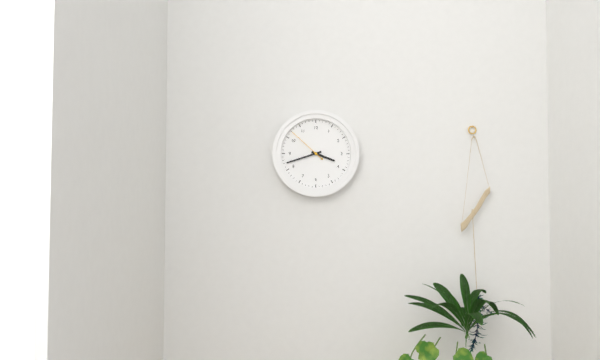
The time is 3h42
